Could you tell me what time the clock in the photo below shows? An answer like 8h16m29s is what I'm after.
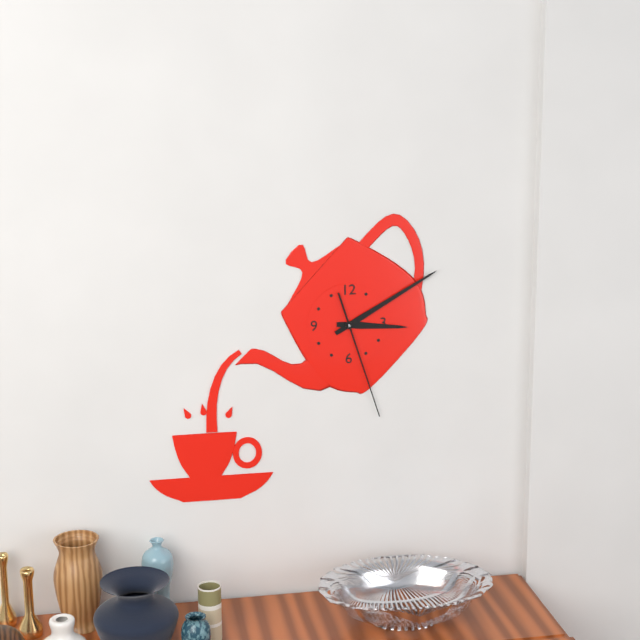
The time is 3h10m27s
